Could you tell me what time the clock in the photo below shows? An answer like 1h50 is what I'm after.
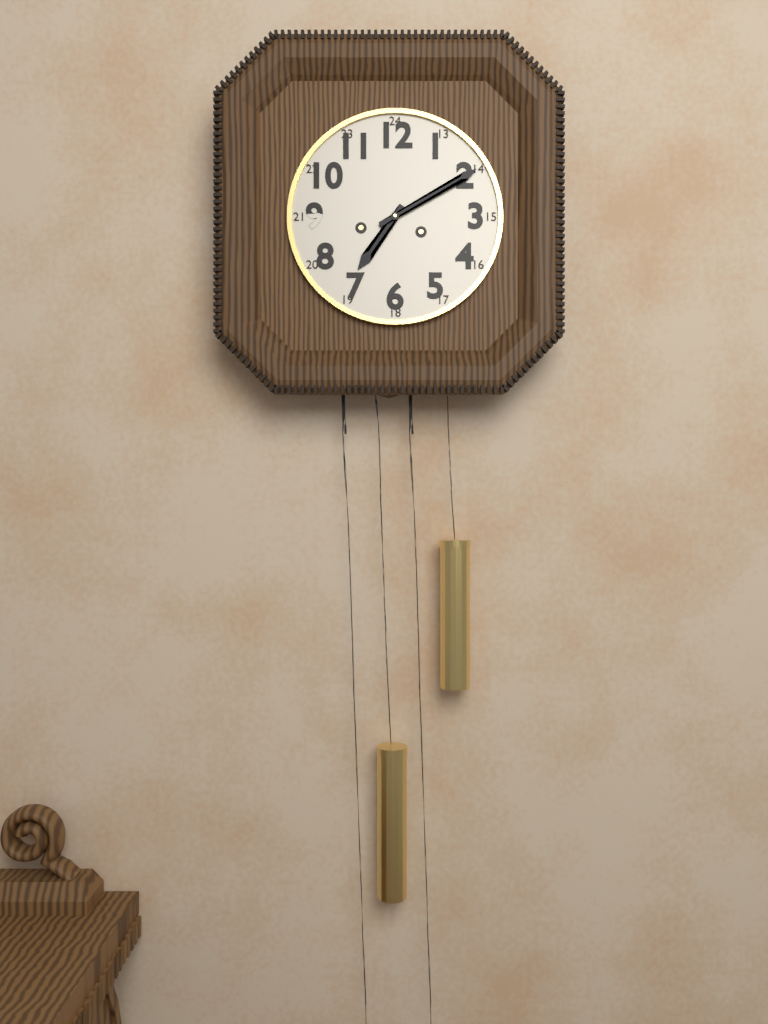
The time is 7h10
